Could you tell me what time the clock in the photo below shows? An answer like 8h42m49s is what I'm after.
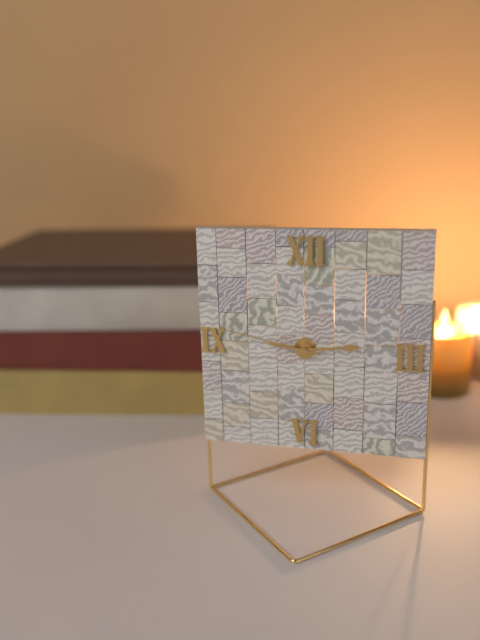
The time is 9h14m47s
